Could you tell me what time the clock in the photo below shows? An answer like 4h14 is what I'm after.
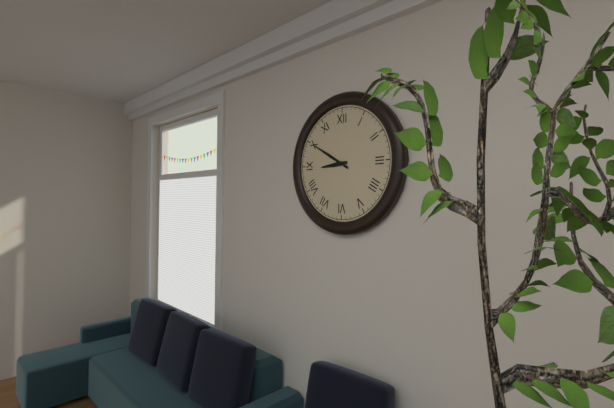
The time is 8h50
